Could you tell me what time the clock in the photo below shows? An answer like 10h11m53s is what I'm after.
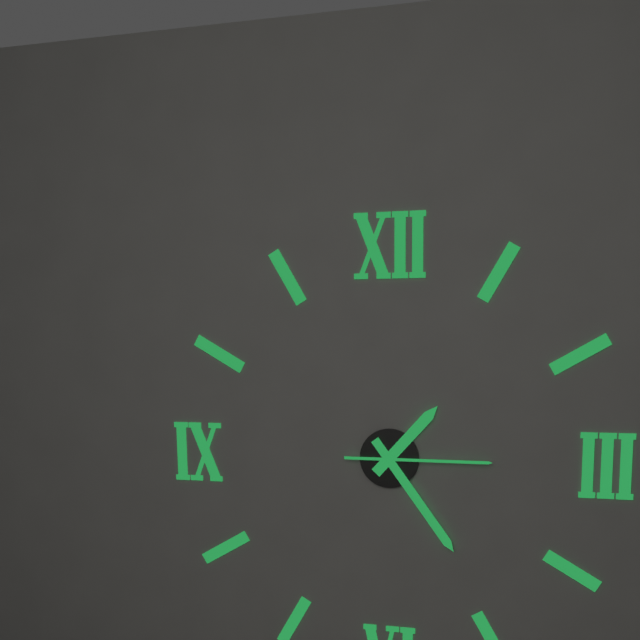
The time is 1h24m15s
